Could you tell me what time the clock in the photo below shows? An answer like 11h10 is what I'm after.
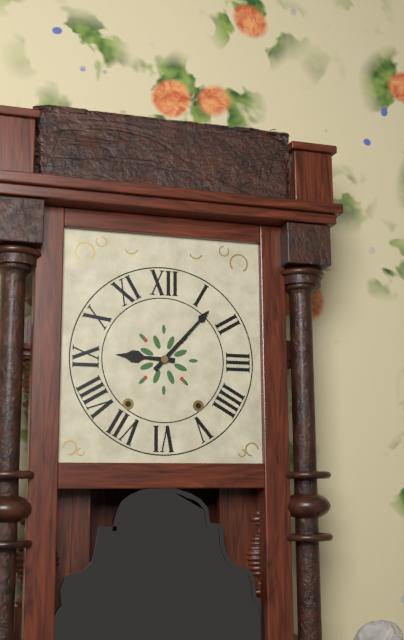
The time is 9h07
